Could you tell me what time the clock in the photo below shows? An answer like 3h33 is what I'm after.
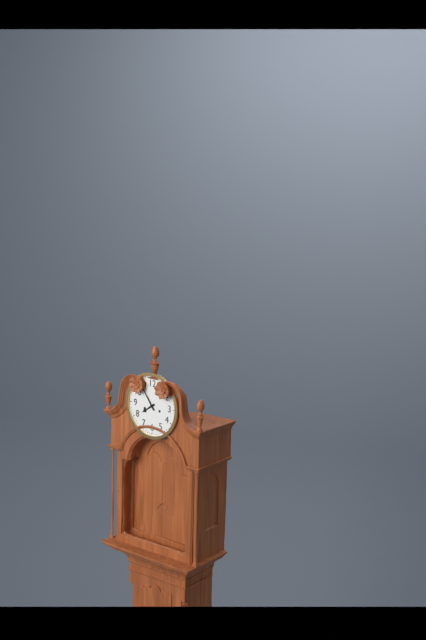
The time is 7h54
